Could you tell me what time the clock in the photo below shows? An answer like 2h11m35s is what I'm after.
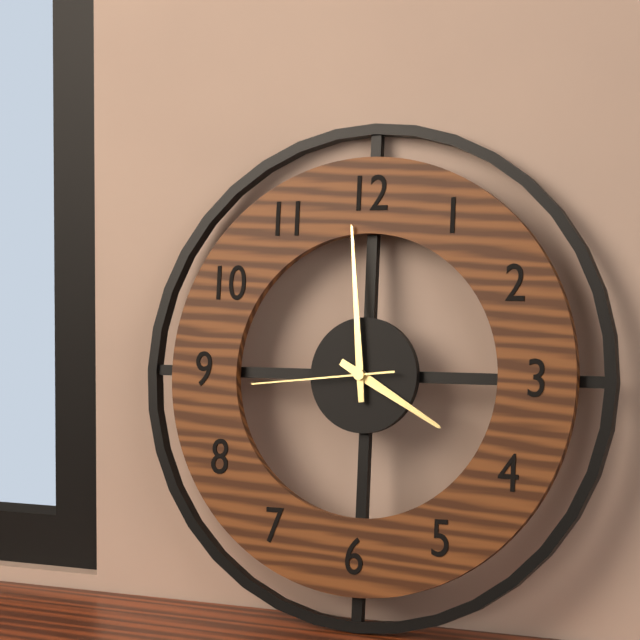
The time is 3h59m44s
